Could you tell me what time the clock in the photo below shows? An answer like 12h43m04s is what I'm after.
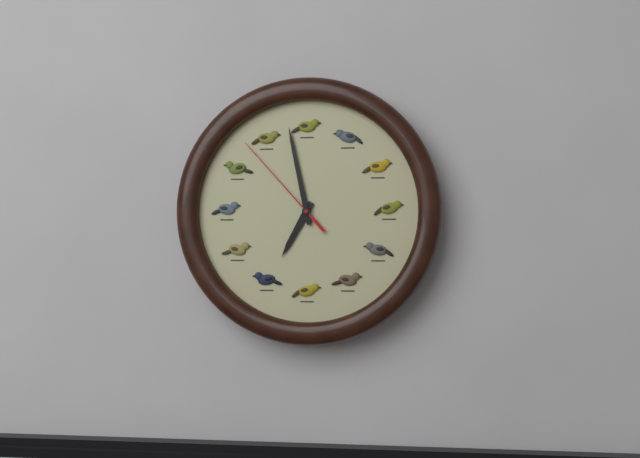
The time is 6h58m53s
